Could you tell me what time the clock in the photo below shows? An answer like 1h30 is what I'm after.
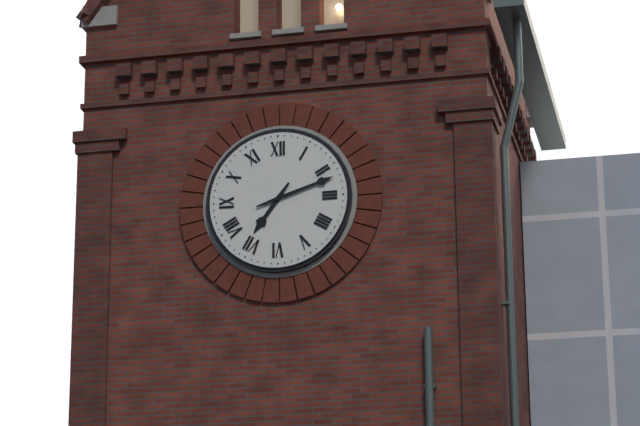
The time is 7h12
